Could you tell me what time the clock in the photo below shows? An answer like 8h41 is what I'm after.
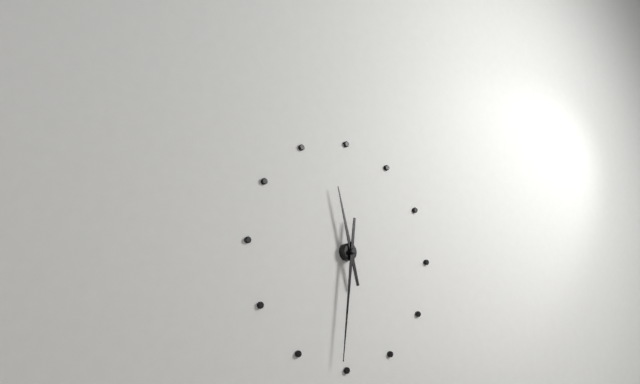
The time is 11h31
